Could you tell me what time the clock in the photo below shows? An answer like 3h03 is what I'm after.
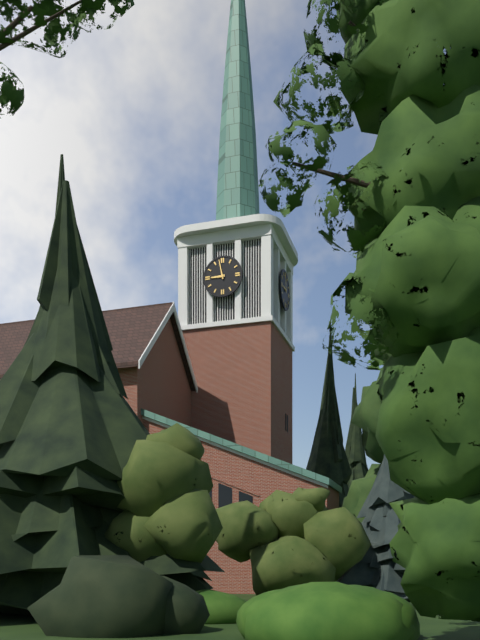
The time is 8h58
